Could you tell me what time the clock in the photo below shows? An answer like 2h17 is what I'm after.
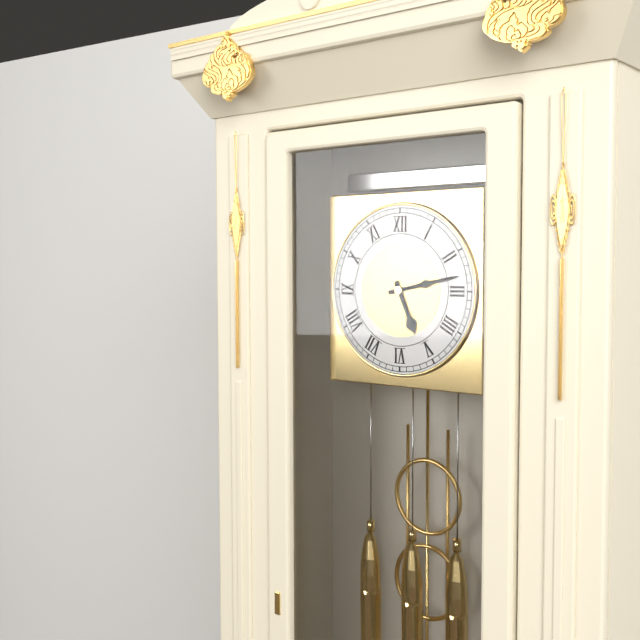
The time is 5h13
